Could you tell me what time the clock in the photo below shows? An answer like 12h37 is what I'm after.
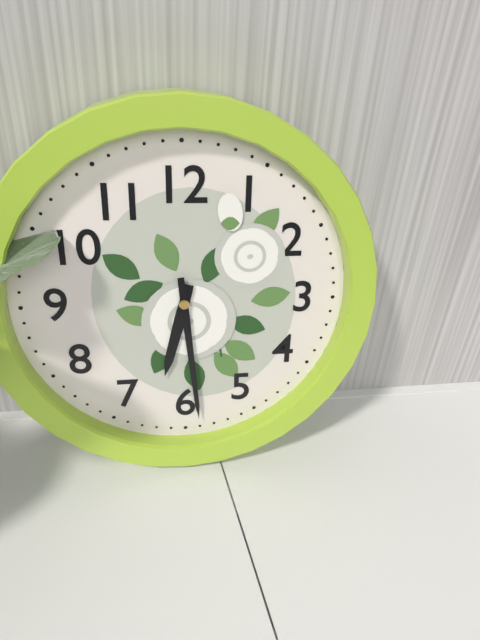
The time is 6h29
